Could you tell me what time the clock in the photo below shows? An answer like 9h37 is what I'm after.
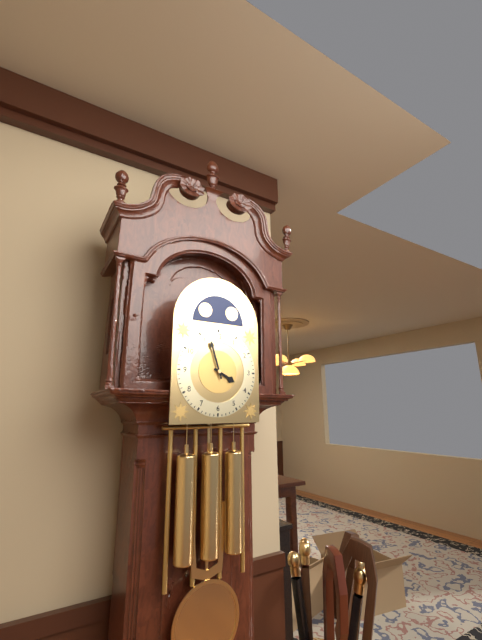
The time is 3h57
